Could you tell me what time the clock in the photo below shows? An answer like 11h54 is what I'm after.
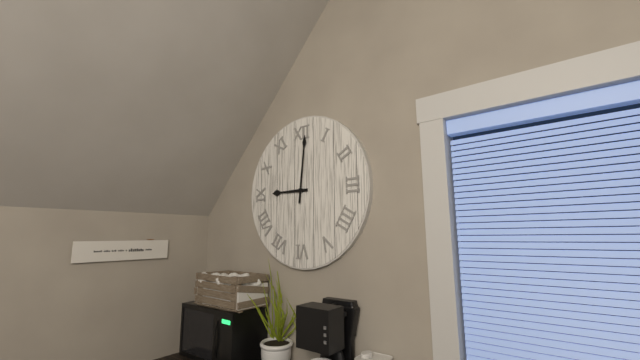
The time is 9h01
